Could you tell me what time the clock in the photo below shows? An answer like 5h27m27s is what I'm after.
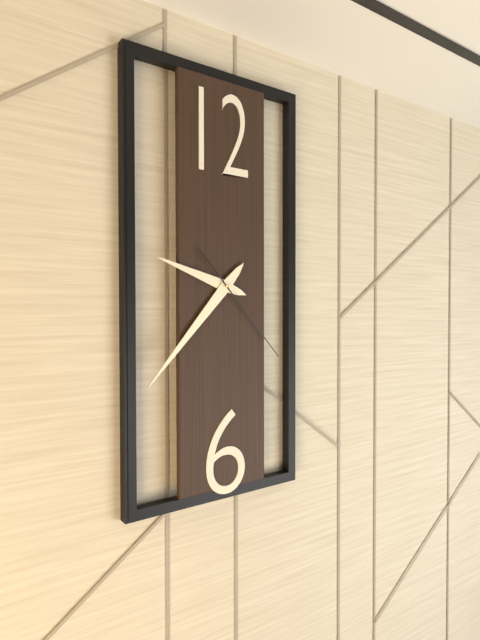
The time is 9h37m23s
